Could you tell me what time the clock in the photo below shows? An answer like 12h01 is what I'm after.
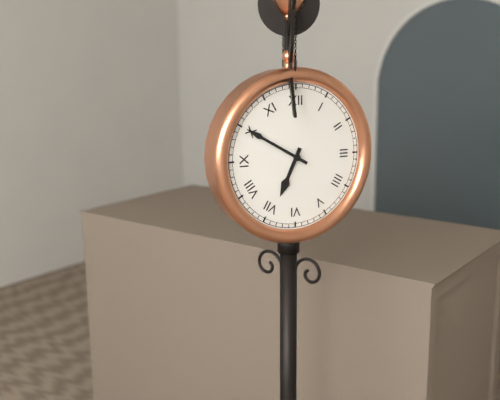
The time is 6h50
